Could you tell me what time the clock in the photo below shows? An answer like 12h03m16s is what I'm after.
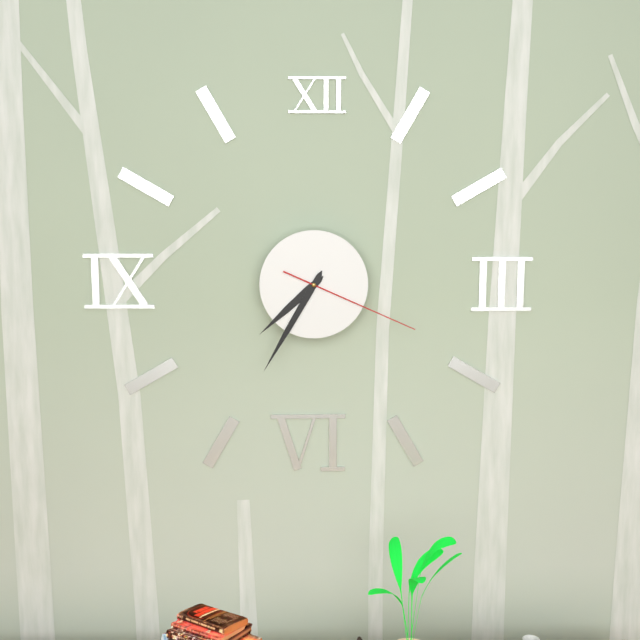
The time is 7h35m19s
